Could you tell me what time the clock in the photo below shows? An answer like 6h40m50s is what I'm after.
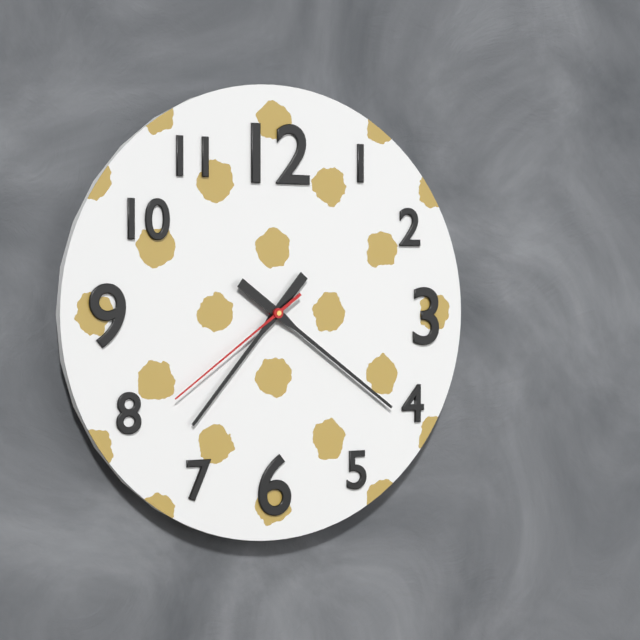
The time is 7h21m39s
